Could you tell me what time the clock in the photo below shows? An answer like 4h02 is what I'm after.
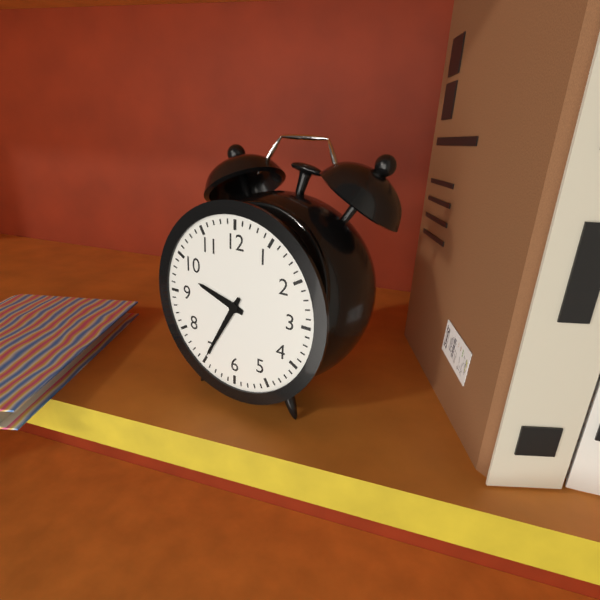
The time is 9h35
